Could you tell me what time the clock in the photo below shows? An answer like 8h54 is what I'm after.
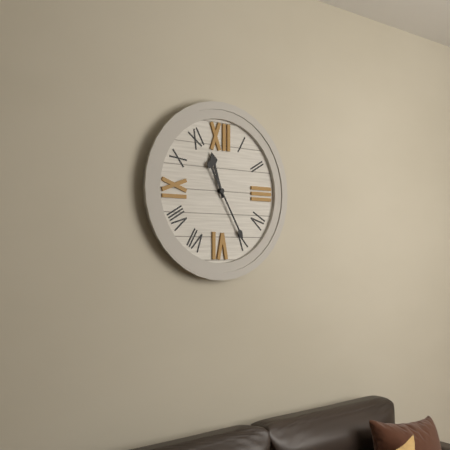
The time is 11h25
